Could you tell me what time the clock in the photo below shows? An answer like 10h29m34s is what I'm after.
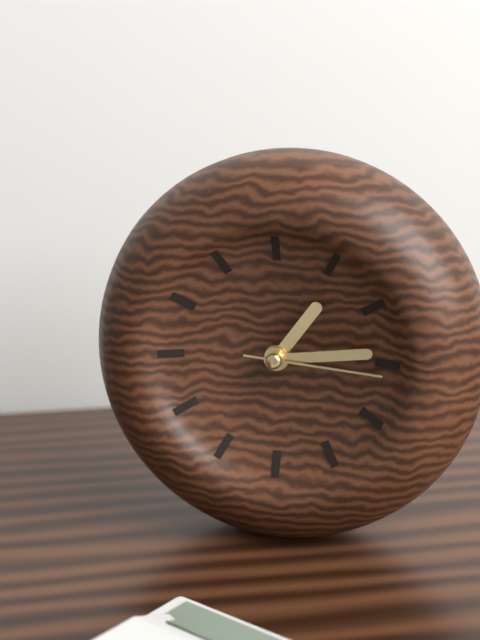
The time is 1h14m16s
